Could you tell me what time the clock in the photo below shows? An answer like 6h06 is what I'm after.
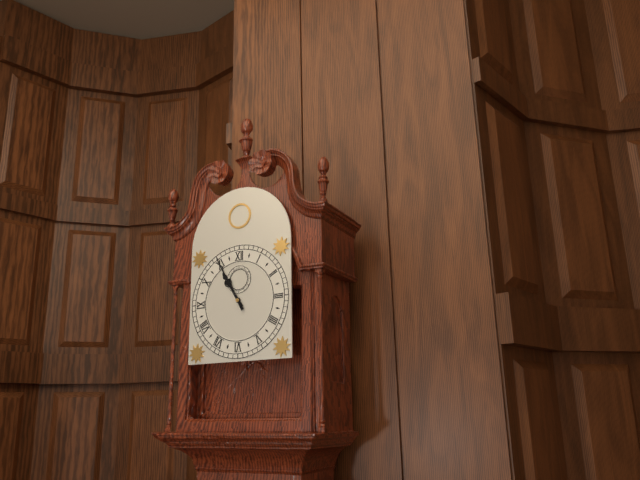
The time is 10h55
